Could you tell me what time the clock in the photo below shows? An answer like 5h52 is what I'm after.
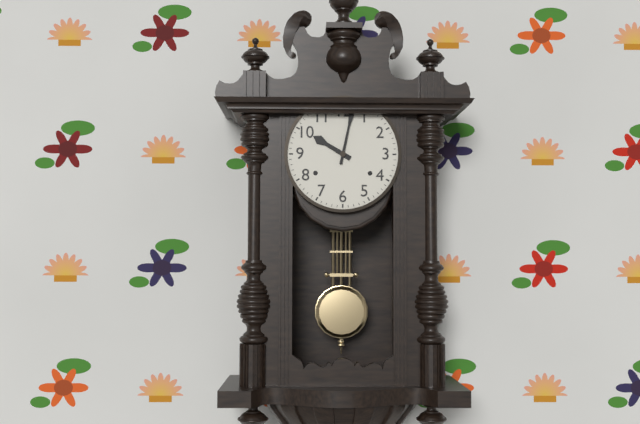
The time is 10h02
